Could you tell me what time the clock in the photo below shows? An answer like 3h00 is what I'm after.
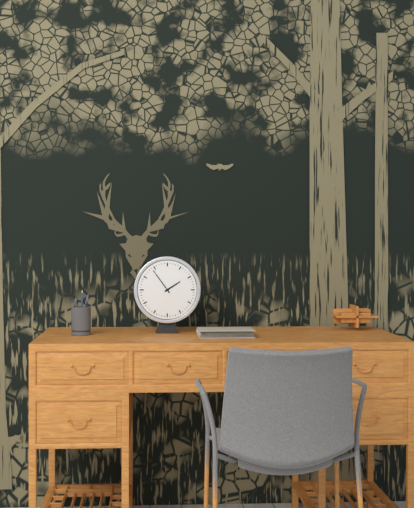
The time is 1h54
